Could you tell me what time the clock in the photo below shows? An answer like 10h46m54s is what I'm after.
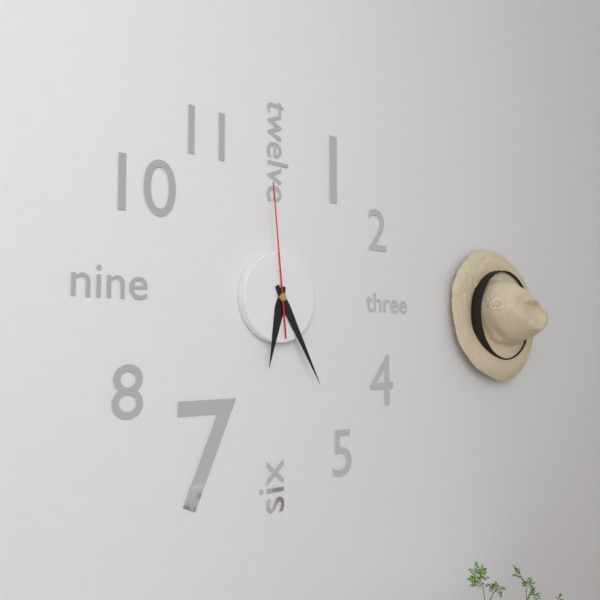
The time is 6h25m59s
